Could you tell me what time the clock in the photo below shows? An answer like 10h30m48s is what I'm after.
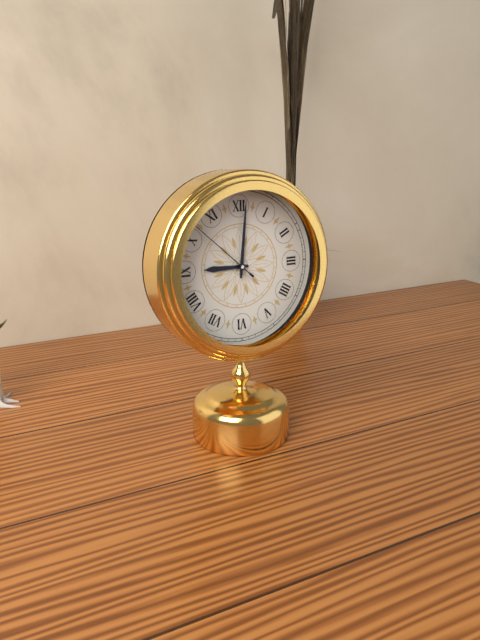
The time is 9h01m52s
